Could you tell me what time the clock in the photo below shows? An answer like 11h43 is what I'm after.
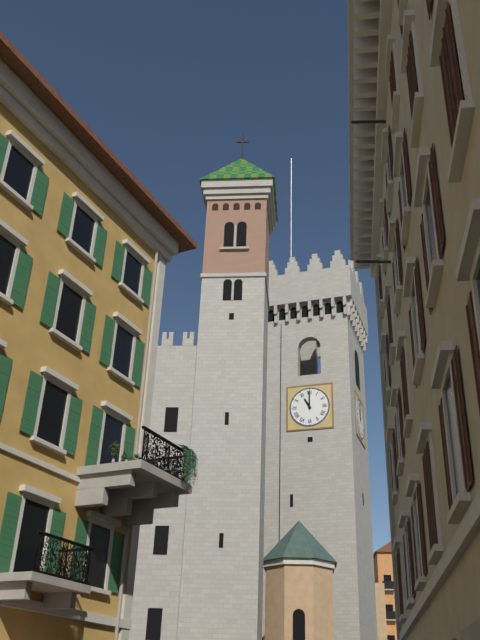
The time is 11h00
